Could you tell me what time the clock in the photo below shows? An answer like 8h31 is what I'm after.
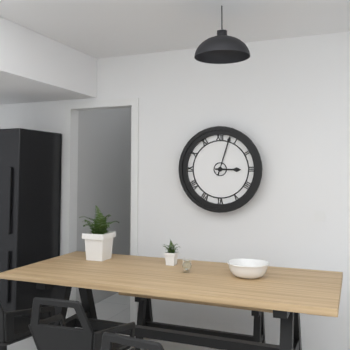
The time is 3h03
